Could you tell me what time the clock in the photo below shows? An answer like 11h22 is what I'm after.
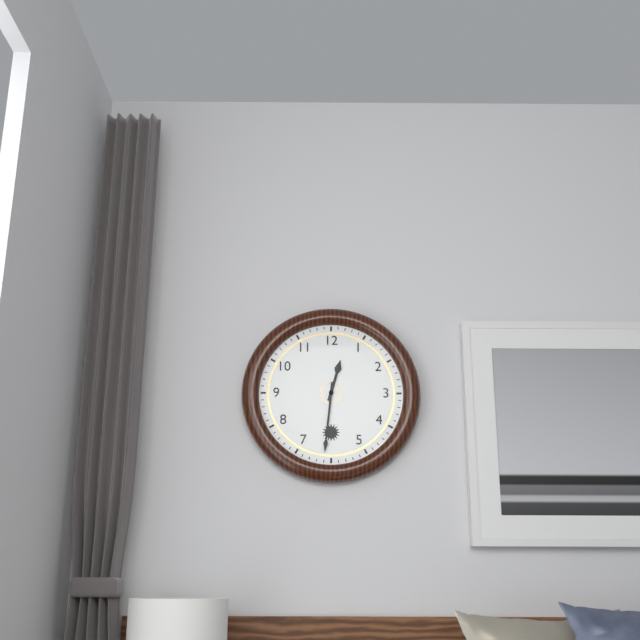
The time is 12h31
